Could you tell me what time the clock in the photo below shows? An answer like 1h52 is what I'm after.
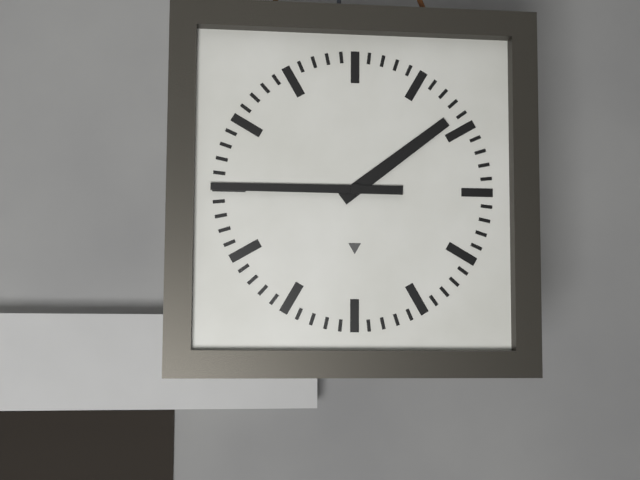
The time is 1h45
